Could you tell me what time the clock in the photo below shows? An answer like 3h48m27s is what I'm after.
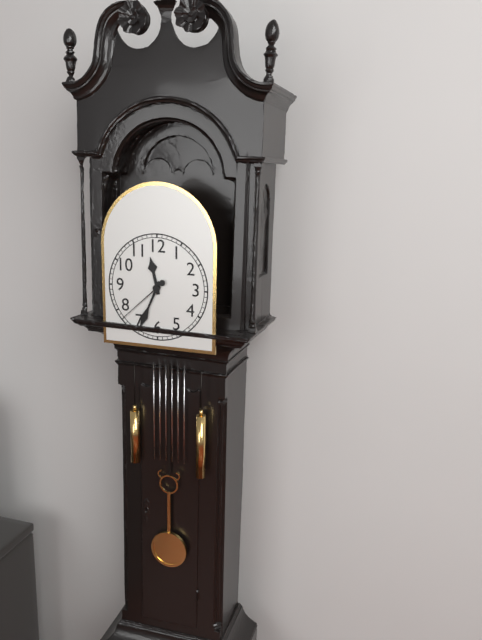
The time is 11h34m38s
